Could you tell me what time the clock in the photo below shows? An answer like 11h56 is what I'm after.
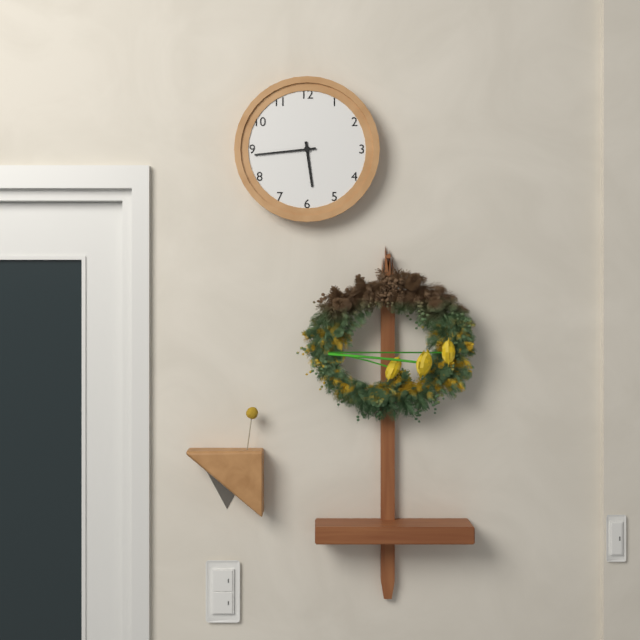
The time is 5h44
